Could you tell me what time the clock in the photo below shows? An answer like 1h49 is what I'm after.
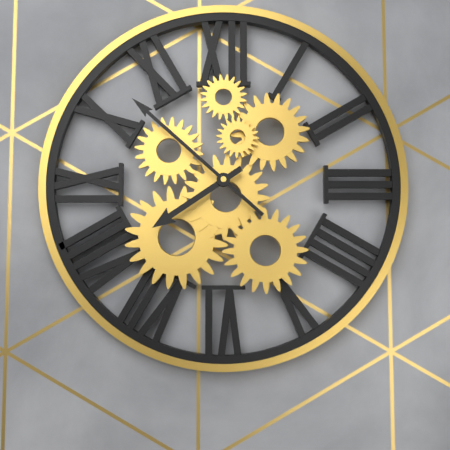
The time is 7h52
